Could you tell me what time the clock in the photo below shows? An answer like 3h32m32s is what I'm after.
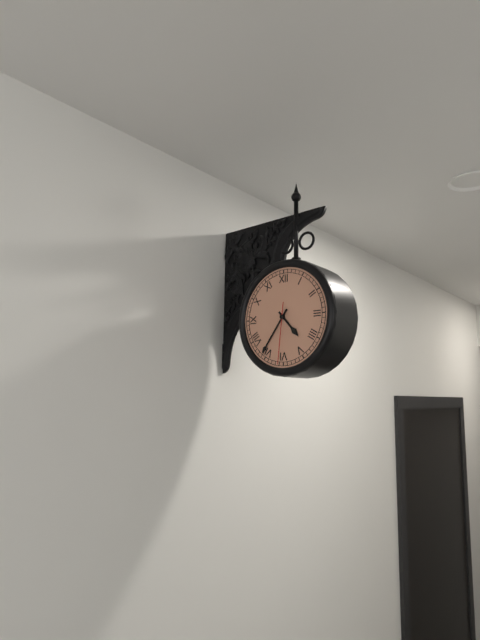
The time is 4h36m31s
